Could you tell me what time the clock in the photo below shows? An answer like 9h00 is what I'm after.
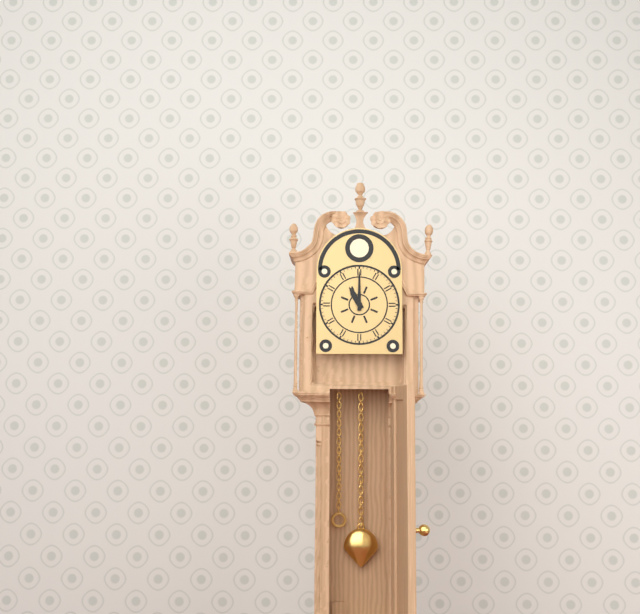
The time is 11h00
